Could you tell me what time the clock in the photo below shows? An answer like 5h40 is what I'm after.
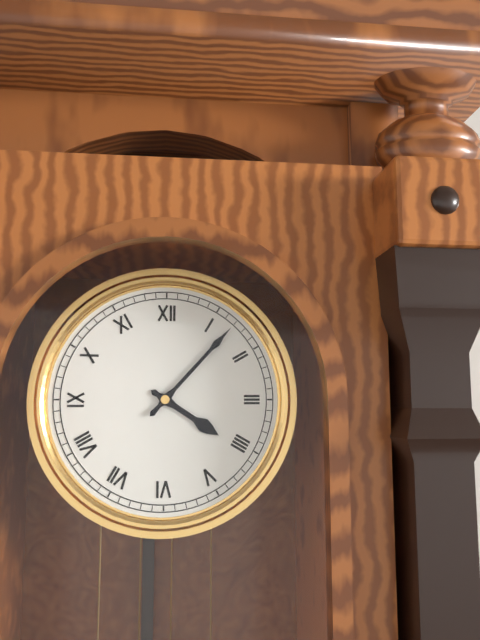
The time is 4h07
